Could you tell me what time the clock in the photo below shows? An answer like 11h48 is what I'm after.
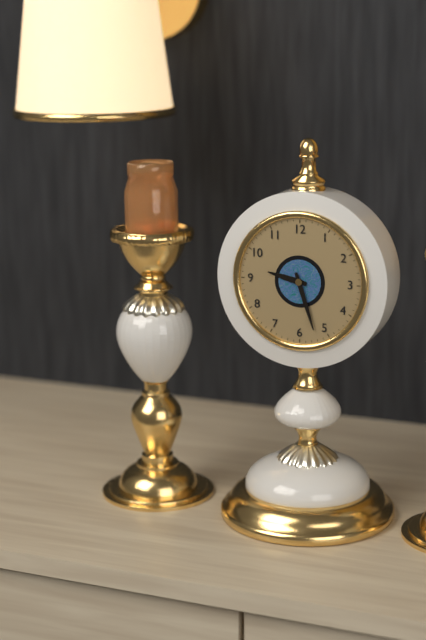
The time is 9h27
